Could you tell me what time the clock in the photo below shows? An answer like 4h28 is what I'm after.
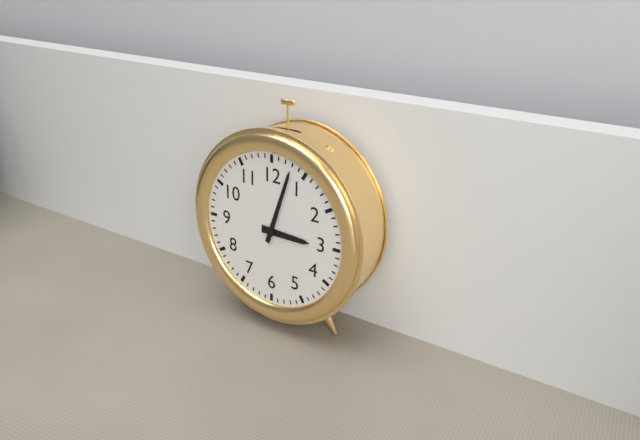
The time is 3h03
